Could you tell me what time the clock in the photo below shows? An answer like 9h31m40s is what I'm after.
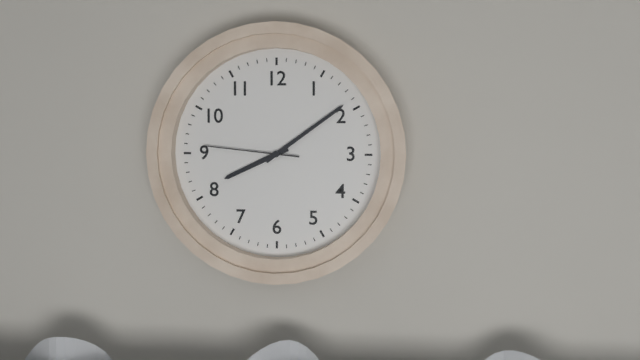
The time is 8h09m46s
